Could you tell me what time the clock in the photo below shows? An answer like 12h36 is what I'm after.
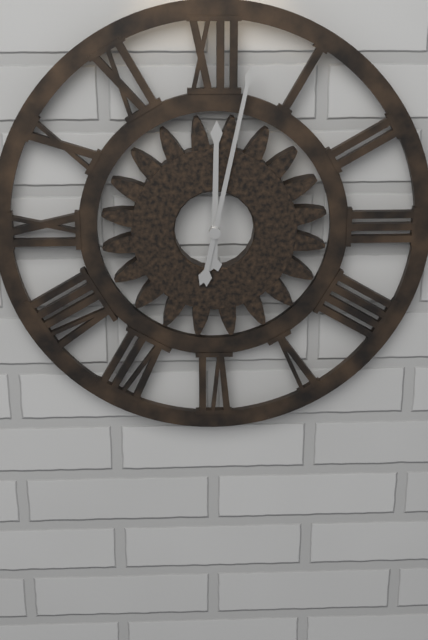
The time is 12h02
